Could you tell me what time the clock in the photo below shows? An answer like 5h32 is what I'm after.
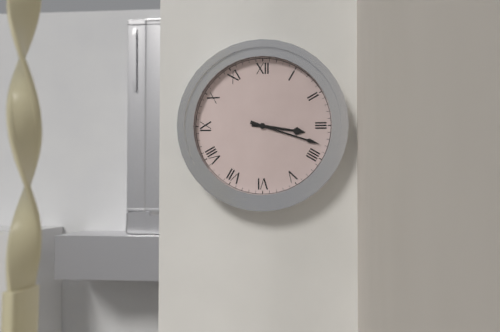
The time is 3h18
